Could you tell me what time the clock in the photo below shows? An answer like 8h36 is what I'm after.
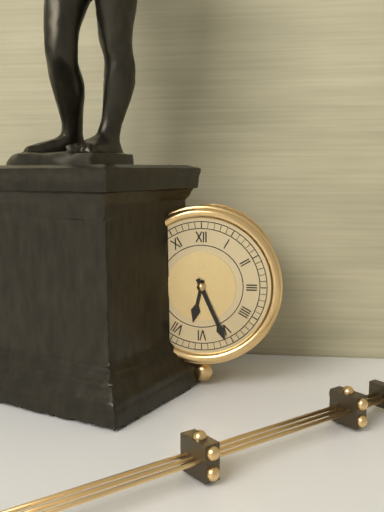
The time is 6h26
